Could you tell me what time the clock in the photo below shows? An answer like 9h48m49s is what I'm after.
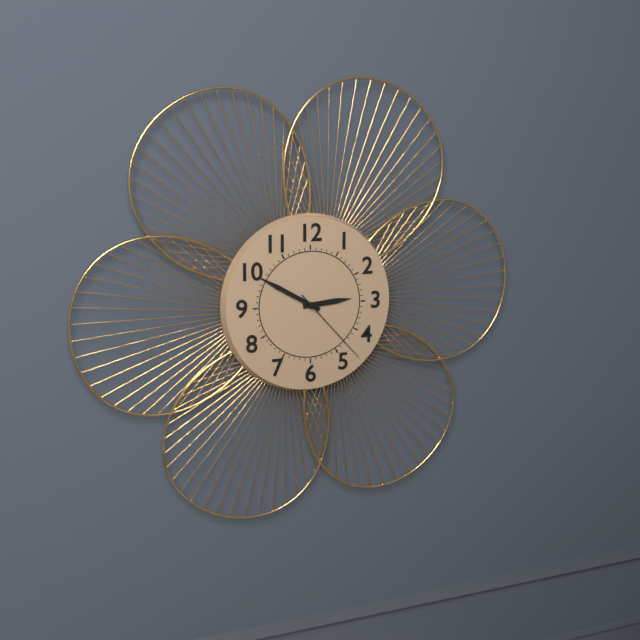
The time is 2h50m23s
